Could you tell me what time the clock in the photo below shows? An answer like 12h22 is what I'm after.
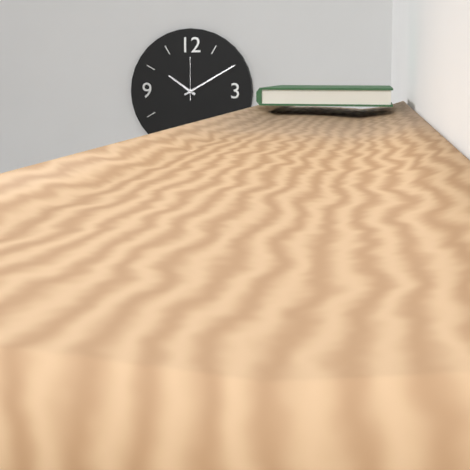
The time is 10h10
